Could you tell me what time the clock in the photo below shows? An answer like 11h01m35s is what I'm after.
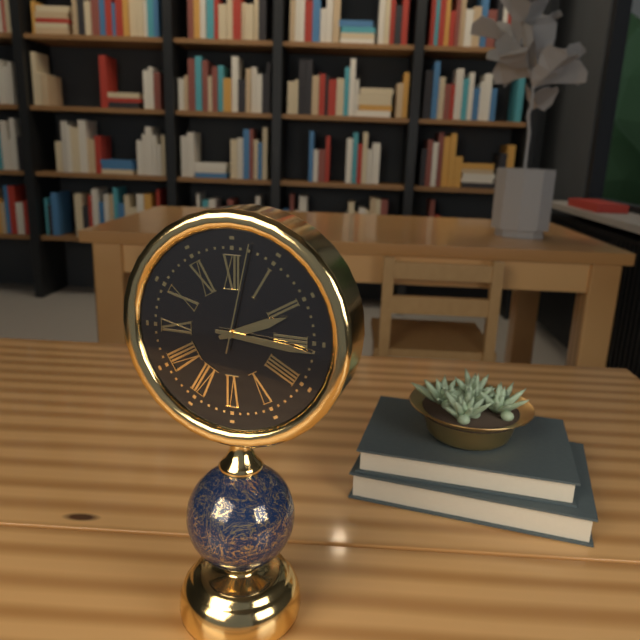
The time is 2h16m02s
